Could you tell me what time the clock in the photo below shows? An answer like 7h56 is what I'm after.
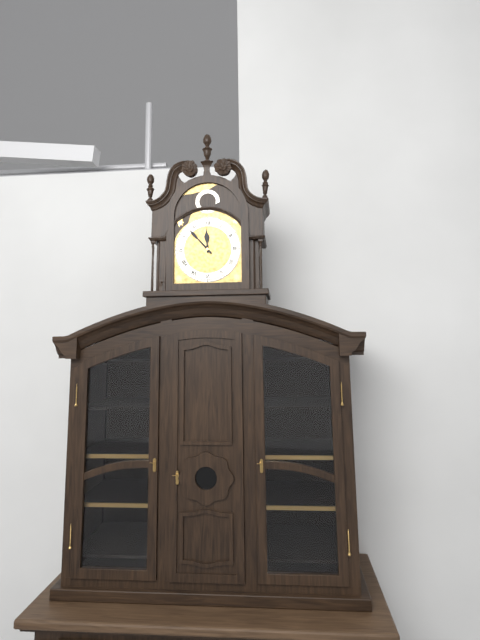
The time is 11h53
